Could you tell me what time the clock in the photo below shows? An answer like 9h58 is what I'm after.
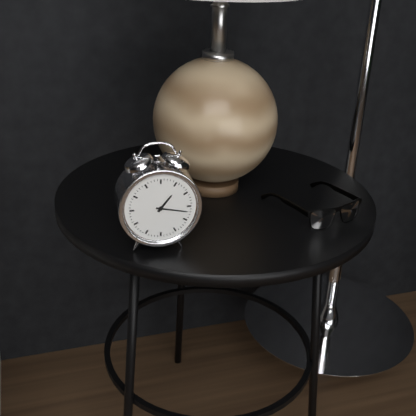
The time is 1h17
